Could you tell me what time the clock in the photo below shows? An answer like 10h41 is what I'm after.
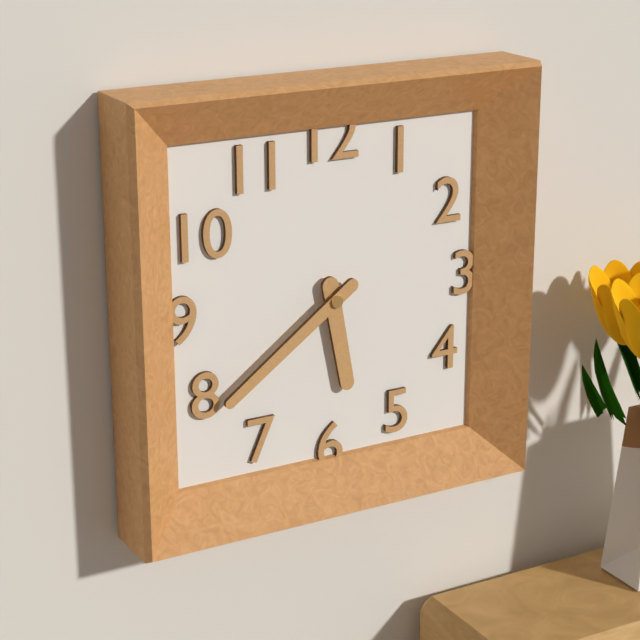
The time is 5h39
